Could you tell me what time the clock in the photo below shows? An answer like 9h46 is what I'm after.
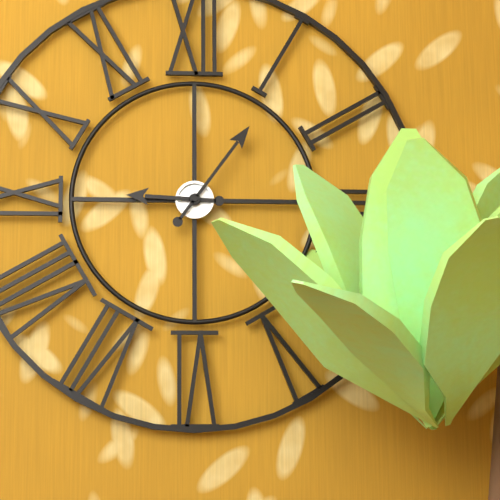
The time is 9h06
